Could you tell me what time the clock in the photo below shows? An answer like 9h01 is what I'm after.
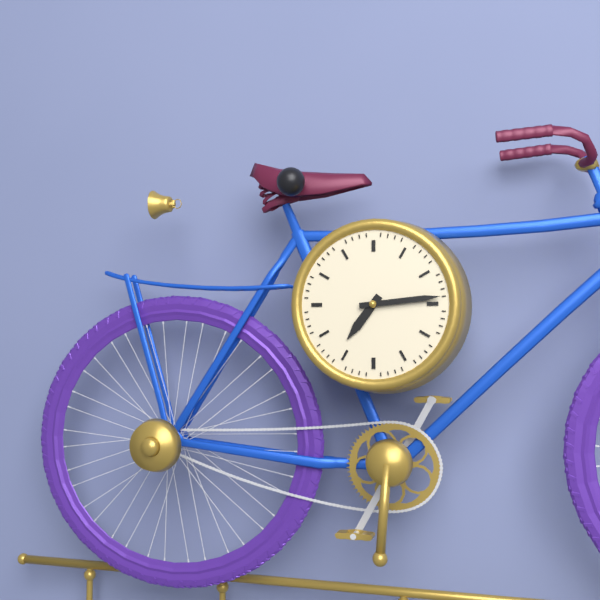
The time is 7h14
